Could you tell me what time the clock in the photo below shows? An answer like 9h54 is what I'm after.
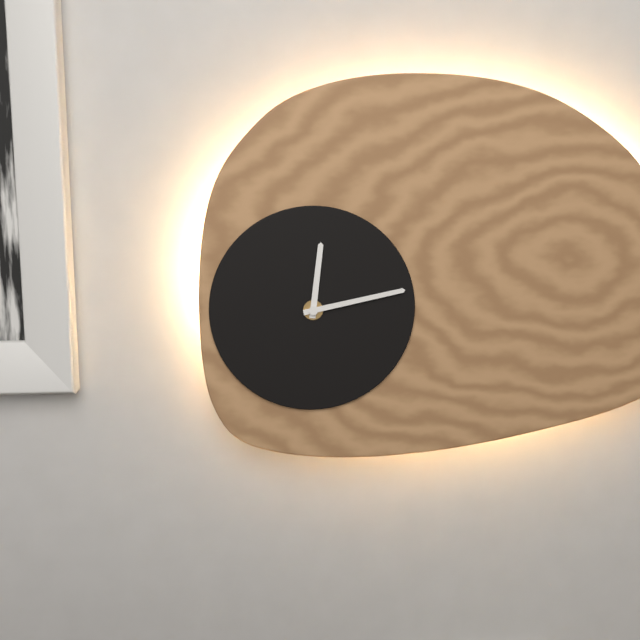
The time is 12h13
